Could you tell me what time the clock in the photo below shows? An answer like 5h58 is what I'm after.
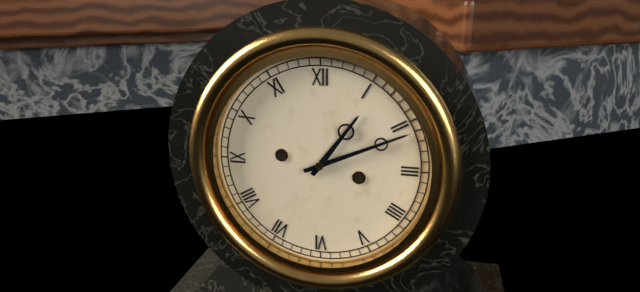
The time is 1h11
